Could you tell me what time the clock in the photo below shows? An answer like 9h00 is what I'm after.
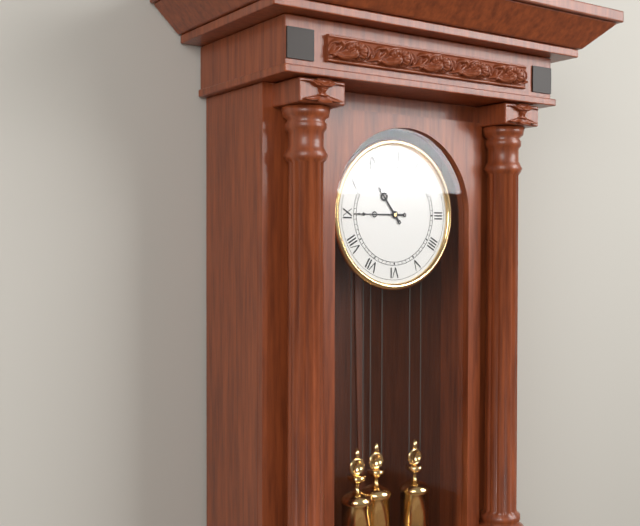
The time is 10h45
